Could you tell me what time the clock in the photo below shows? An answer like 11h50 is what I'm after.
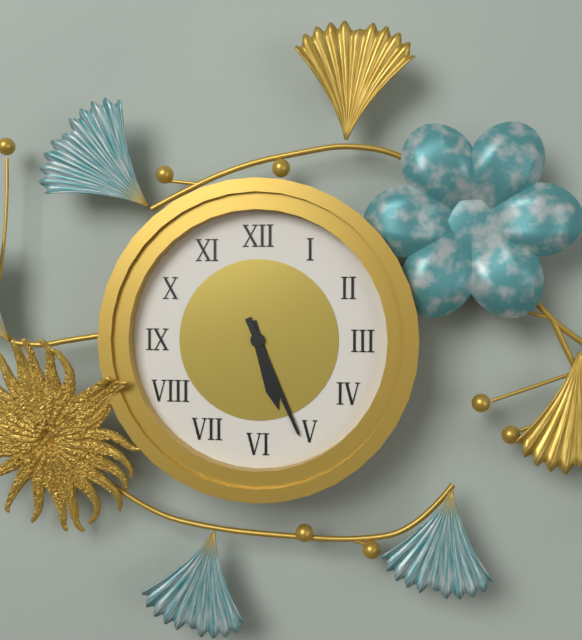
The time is 5h26
